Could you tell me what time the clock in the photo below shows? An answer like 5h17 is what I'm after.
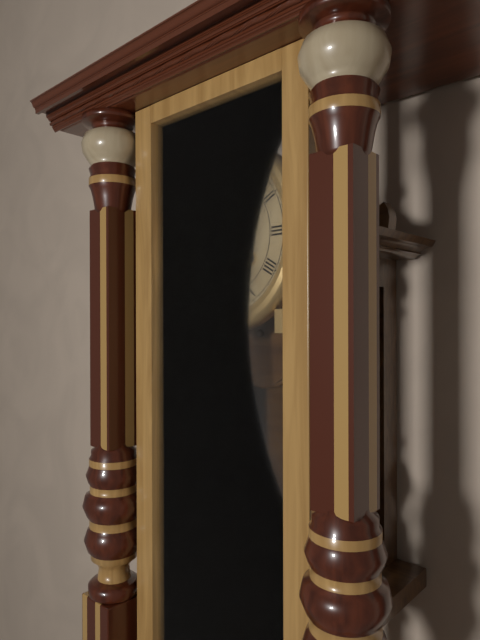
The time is 8h08
